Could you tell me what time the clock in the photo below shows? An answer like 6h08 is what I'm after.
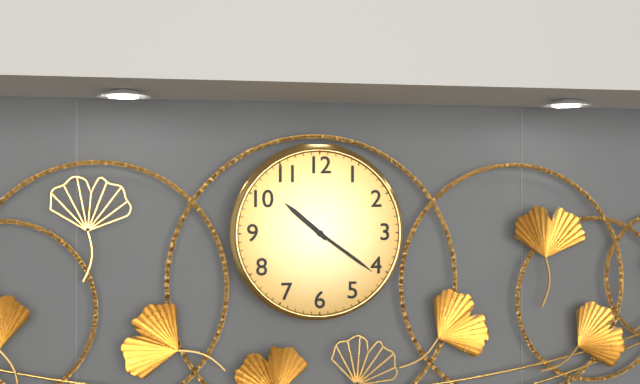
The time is 10h21
